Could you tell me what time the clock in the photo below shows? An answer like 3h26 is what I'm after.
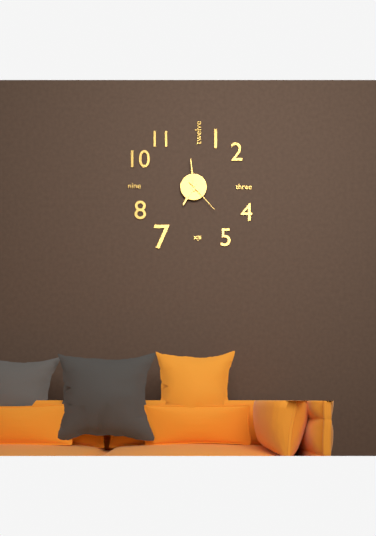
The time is 6h59
